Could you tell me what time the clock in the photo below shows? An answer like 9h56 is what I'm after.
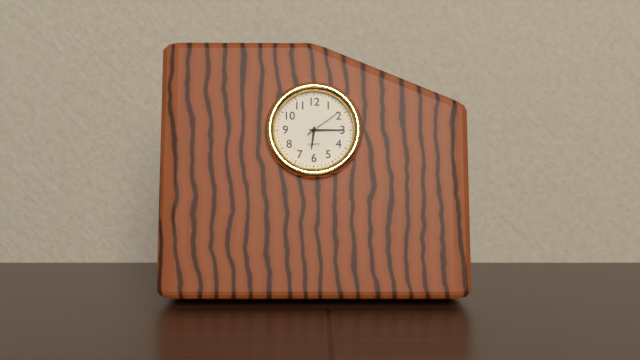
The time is 6h15
